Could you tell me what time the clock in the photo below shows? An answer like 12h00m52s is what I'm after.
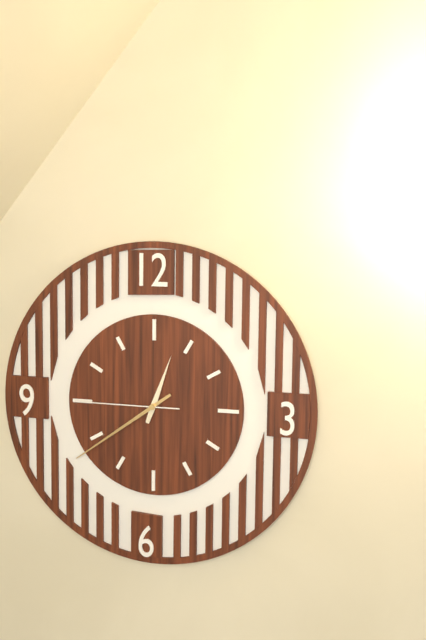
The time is 12h39m45s
